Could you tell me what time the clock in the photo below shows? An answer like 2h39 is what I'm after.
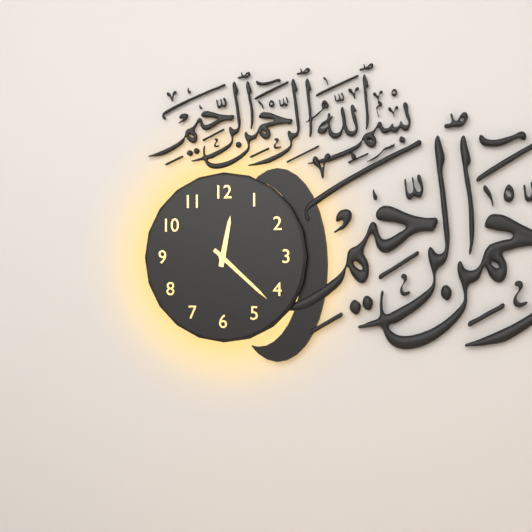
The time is 12h22
